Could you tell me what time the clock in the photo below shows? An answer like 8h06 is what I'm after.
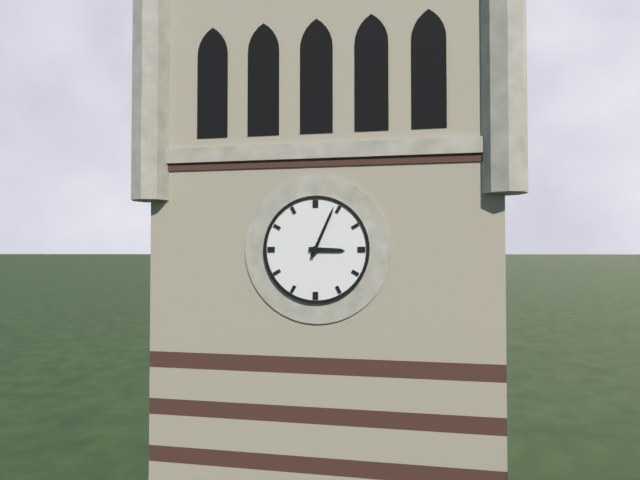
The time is 3h04
